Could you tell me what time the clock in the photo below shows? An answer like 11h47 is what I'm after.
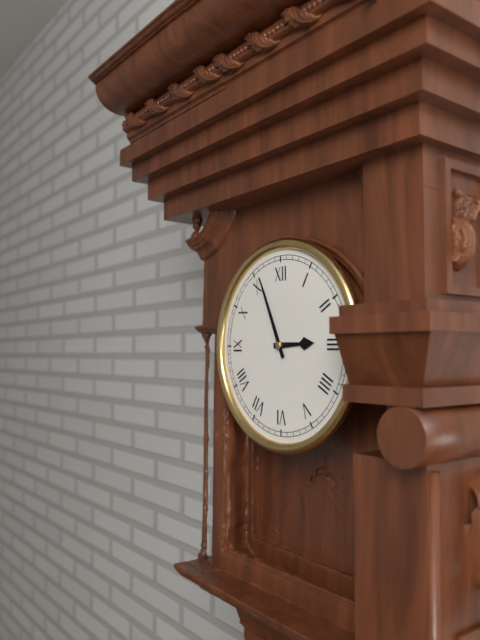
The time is 2h56
